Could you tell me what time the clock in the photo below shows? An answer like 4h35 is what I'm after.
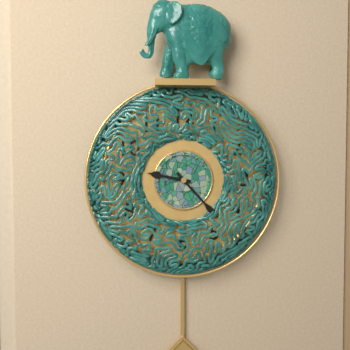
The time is 9h23
